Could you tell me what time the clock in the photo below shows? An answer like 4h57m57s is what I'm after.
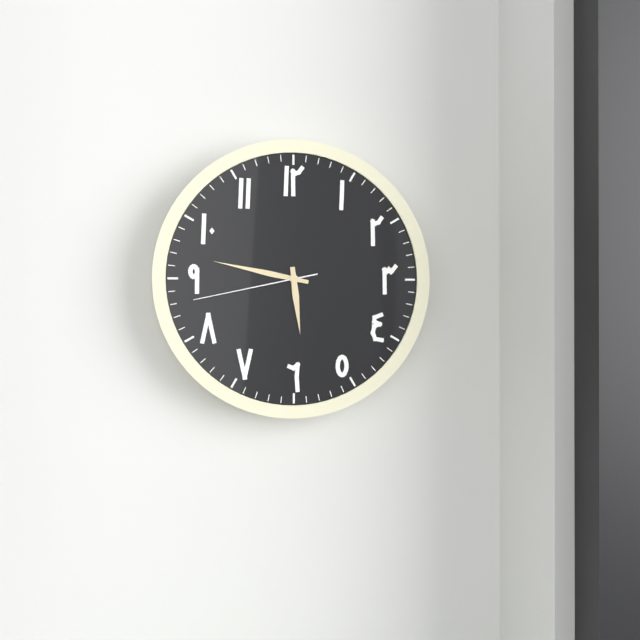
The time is 5h47m43s
